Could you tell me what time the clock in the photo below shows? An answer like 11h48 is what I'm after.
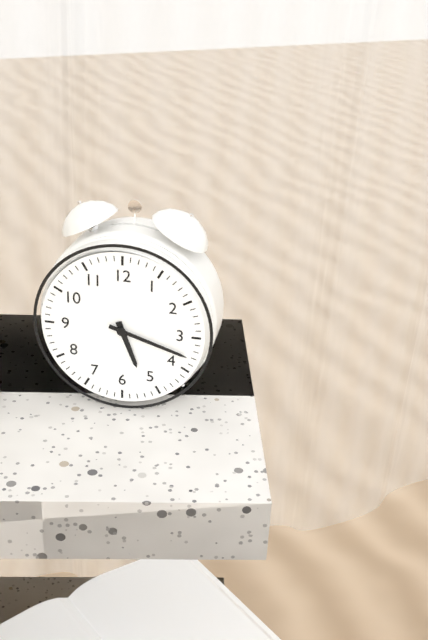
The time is 5h18
